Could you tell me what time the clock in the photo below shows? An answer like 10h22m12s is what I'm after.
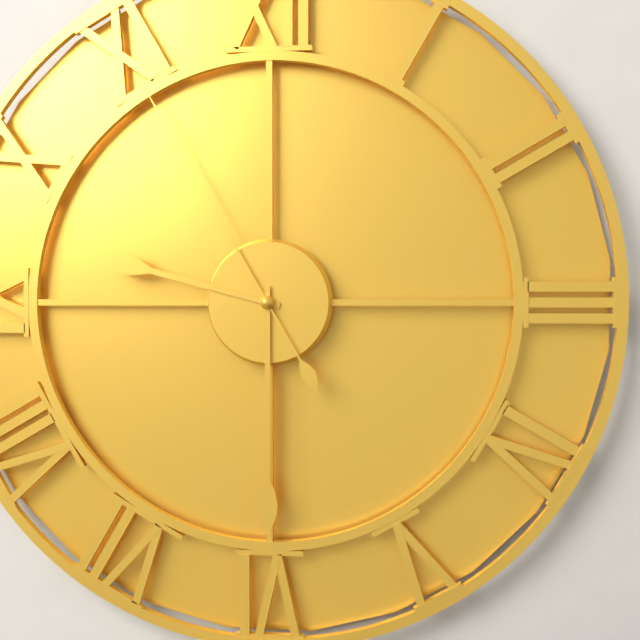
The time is 9h30m55s
